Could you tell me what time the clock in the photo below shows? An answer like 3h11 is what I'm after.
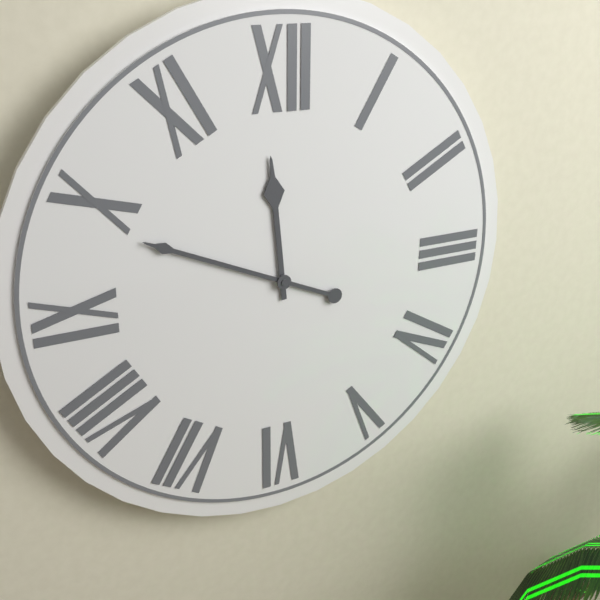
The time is 11h49
